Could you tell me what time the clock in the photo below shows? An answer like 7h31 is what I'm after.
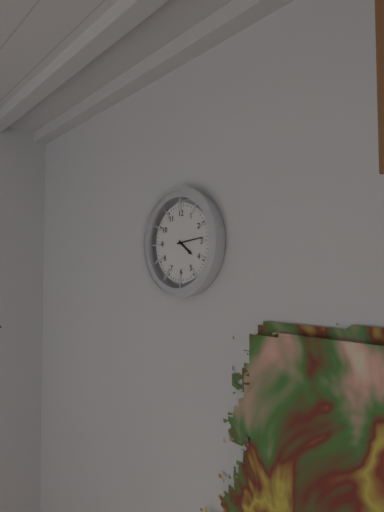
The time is 4h14
